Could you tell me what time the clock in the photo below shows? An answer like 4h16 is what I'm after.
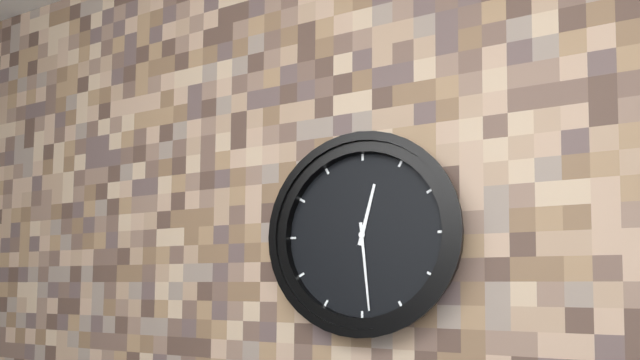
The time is 12h29
